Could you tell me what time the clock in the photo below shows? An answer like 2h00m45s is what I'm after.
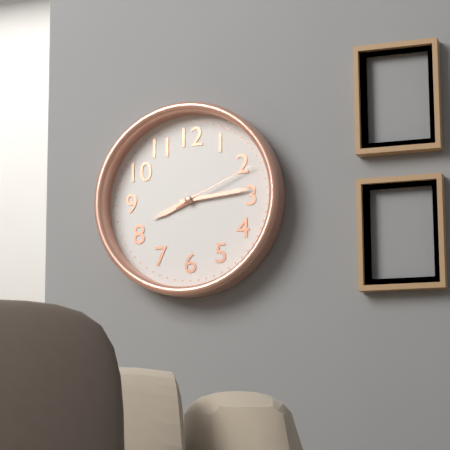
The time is 8h14m11s
